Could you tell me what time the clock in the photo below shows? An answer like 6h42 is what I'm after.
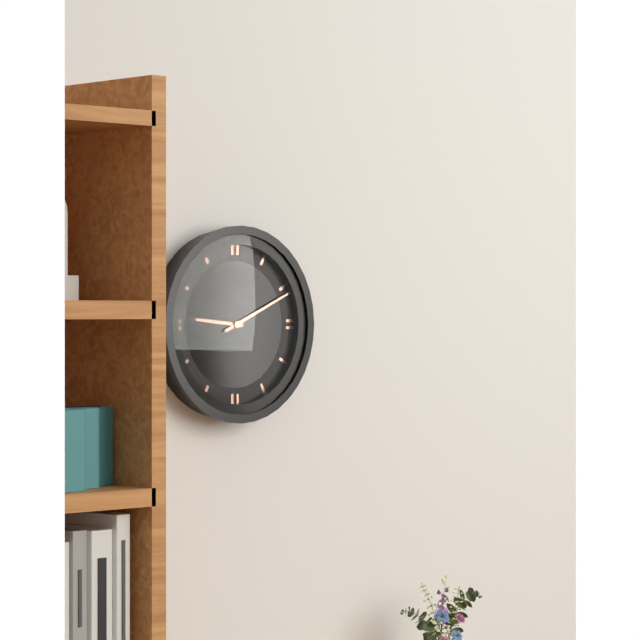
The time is 9h11
